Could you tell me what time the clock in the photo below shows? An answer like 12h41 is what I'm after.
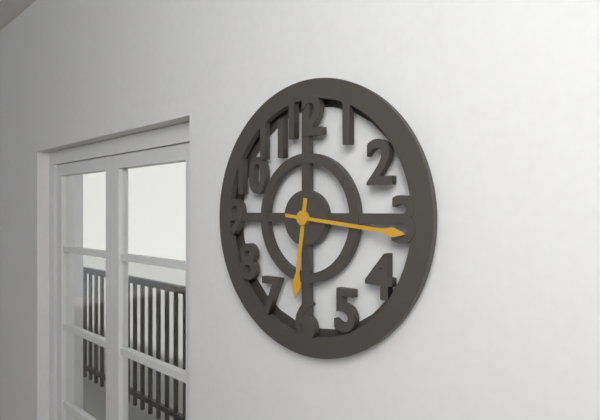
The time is 6h16
